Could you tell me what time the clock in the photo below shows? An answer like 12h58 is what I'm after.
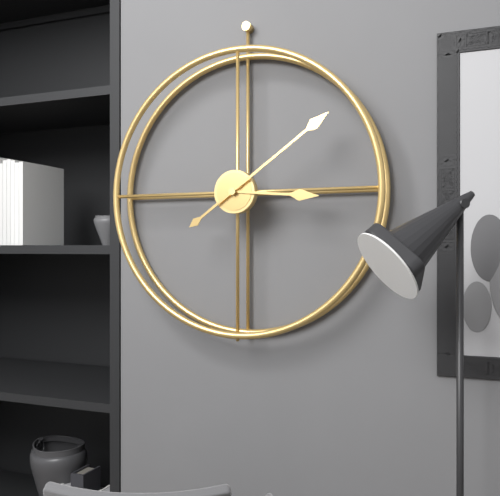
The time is 3h09
